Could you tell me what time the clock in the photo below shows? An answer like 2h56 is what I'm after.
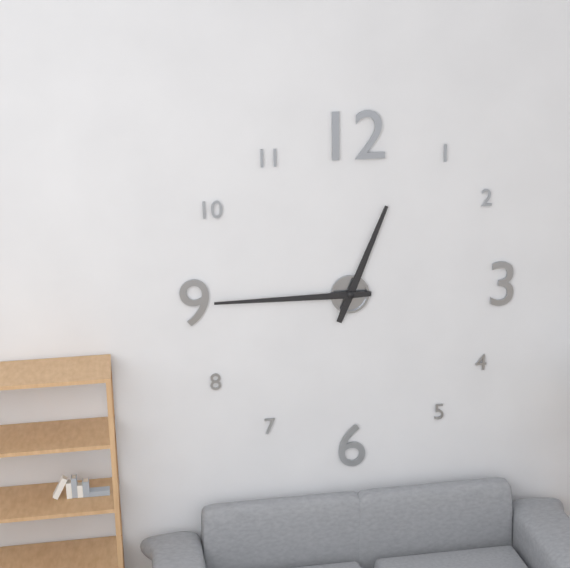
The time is 12h45
